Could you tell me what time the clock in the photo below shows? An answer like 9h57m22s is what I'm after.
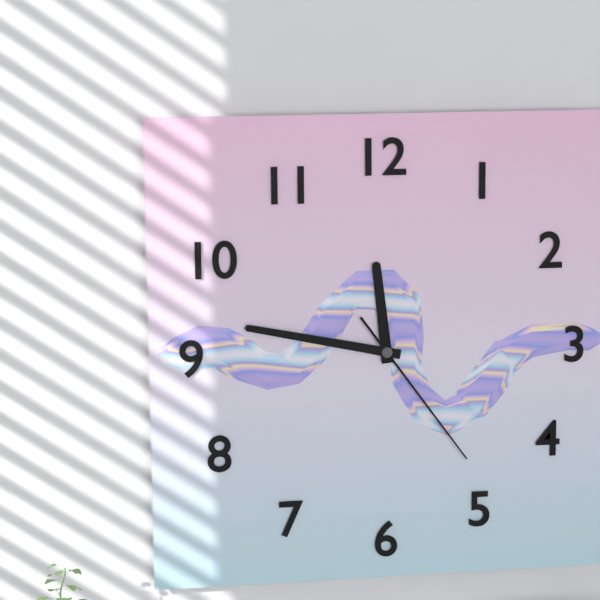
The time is 11h47m24s
